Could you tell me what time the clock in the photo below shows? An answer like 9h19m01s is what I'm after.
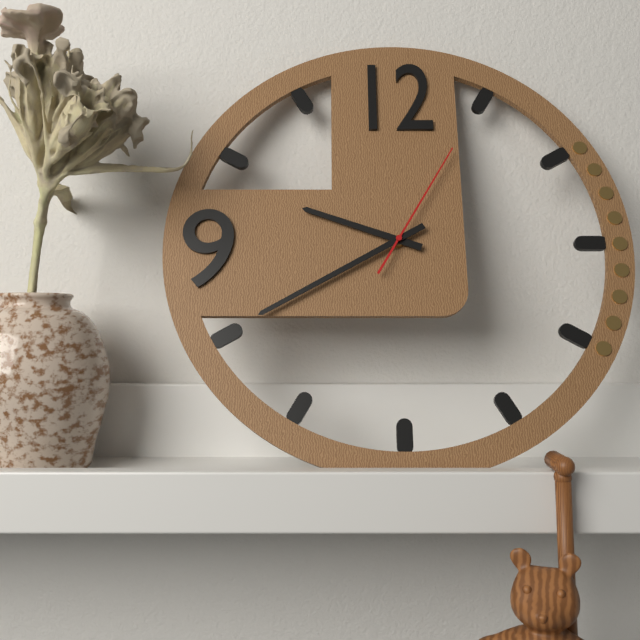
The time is 9h40m05s
